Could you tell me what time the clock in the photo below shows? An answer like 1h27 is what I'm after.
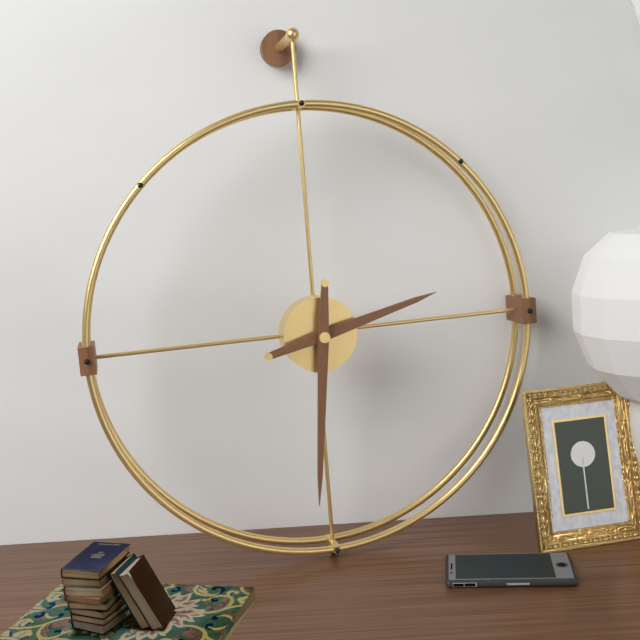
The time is 2h31
